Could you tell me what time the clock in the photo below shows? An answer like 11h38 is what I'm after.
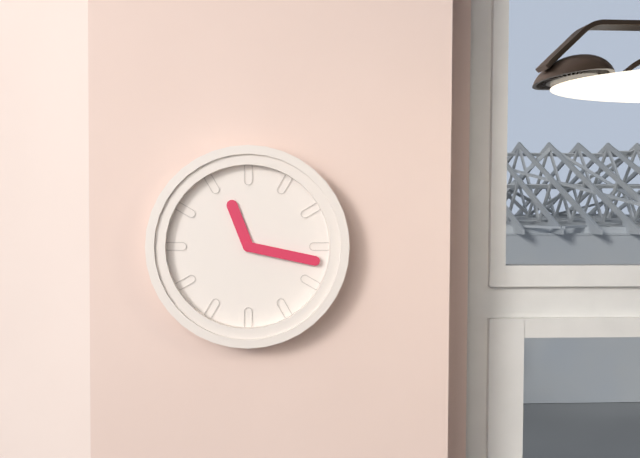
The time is 11h17
